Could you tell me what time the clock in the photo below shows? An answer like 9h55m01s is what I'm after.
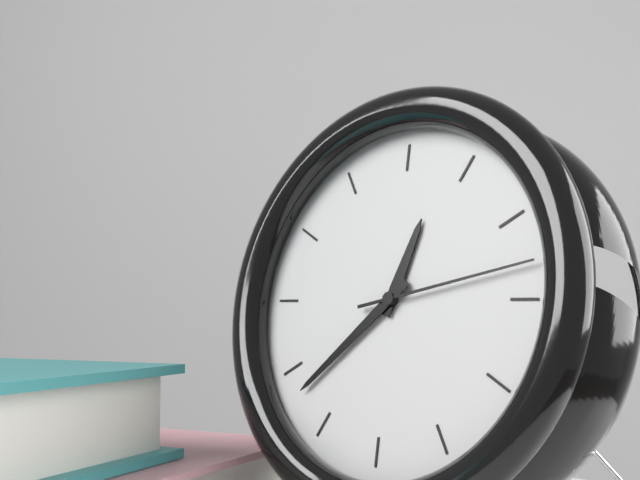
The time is 12h38m13s
